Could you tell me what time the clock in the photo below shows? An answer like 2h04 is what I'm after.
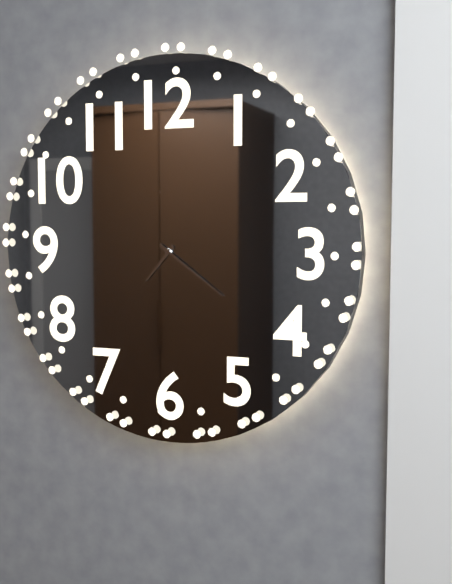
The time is 7h21
